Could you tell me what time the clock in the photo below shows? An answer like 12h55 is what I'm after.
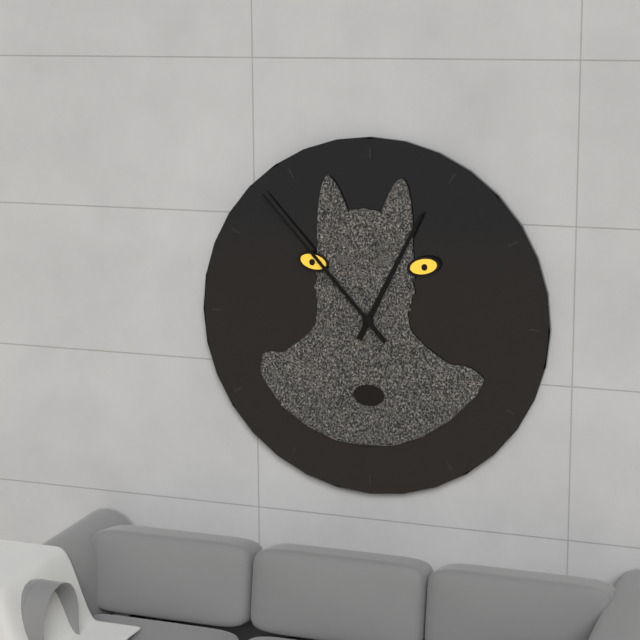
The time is 12h53
